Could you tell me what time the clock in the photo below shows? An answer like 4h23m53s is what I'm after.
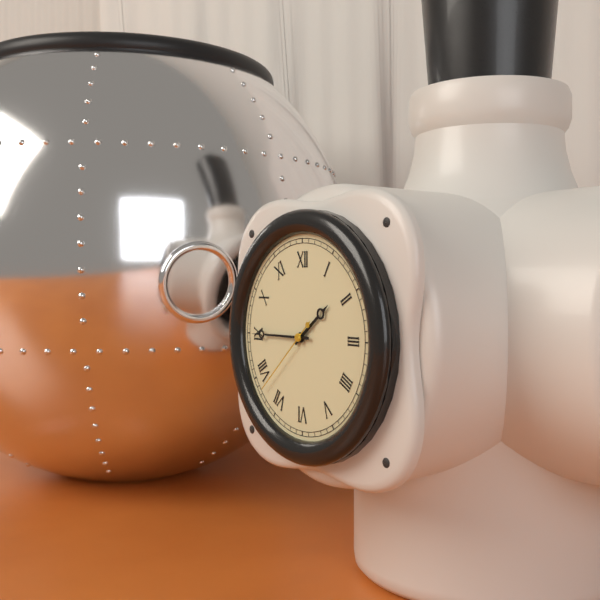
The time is 1h45m38s
